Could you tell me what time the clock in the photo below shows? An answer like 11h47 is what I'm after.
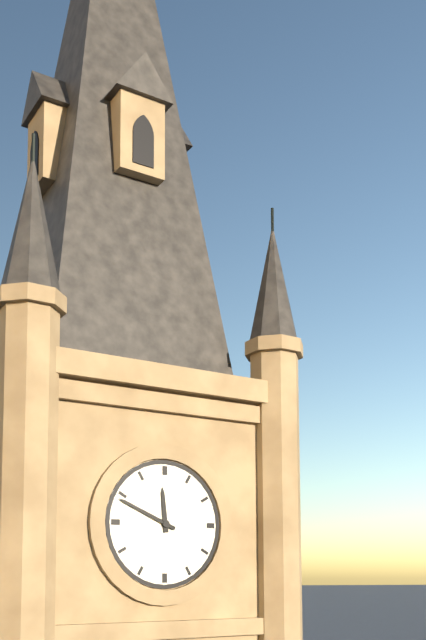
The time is 11h49
